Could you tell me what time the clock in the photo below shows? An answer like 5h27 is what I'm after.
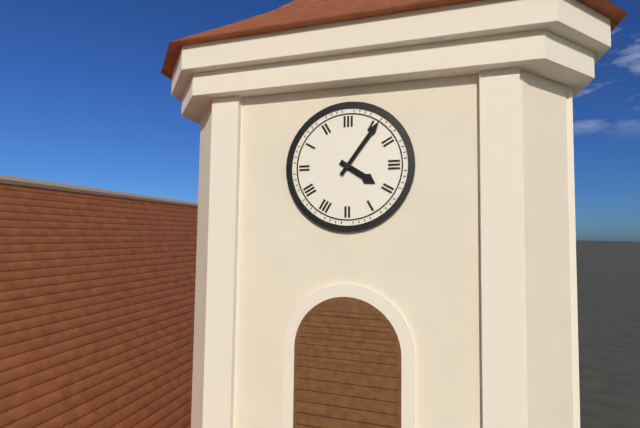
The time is 4h06
